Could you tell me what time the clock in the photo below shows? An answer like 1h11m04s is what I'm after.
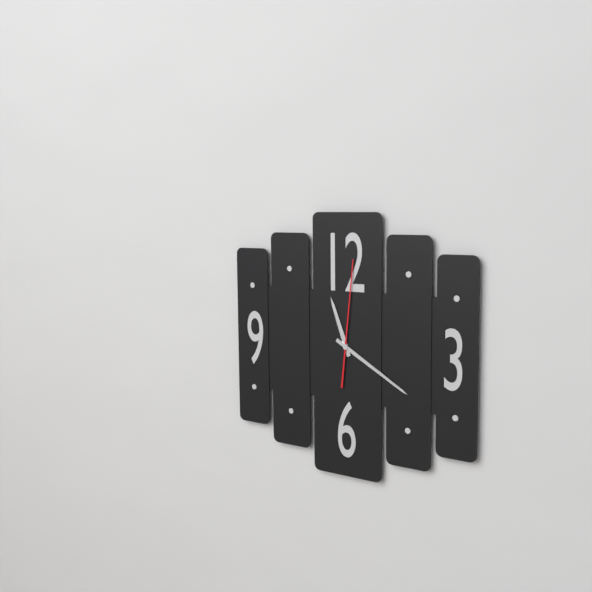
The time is 11h20m01s
